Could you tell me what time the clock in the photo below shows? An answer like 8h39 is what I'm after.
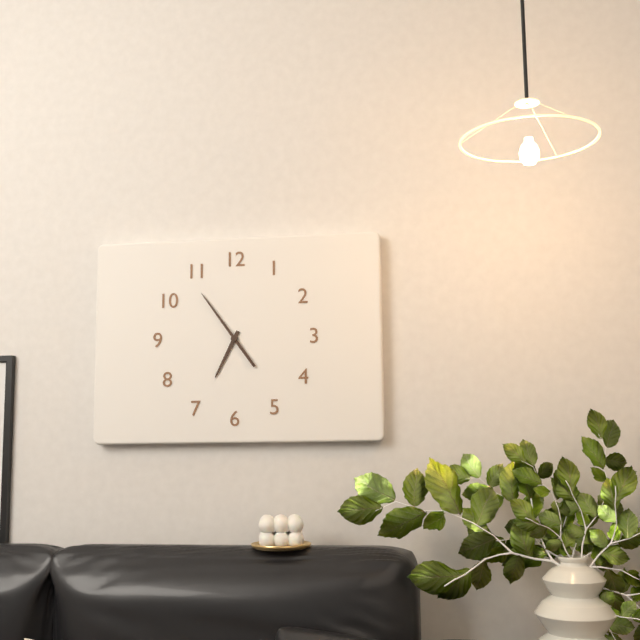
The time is 6h54
